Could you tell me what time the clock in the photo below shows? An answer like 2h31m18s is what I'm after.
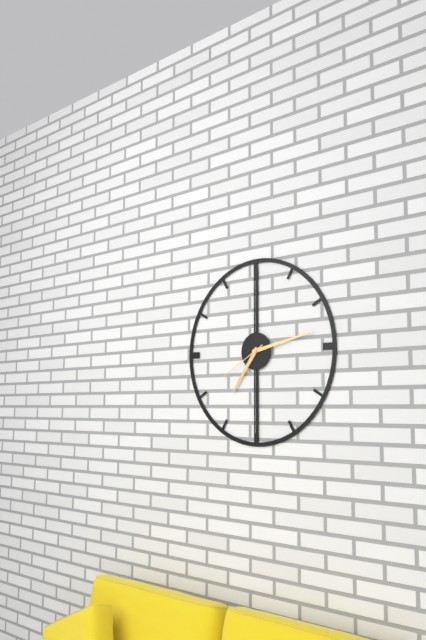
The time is 7h13m40s
